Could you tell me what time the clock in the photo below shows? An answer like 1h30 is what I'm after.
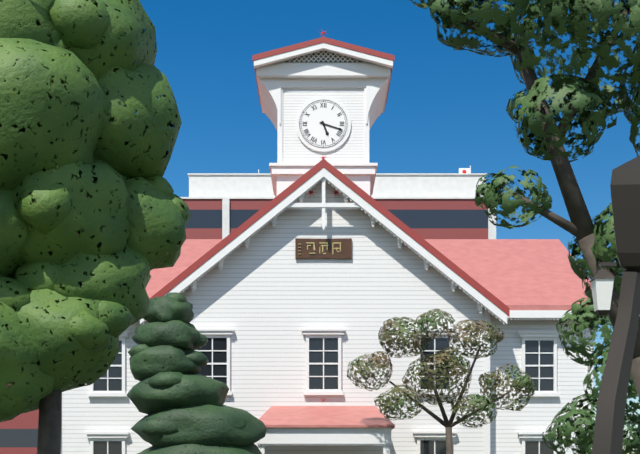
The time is 5h18
